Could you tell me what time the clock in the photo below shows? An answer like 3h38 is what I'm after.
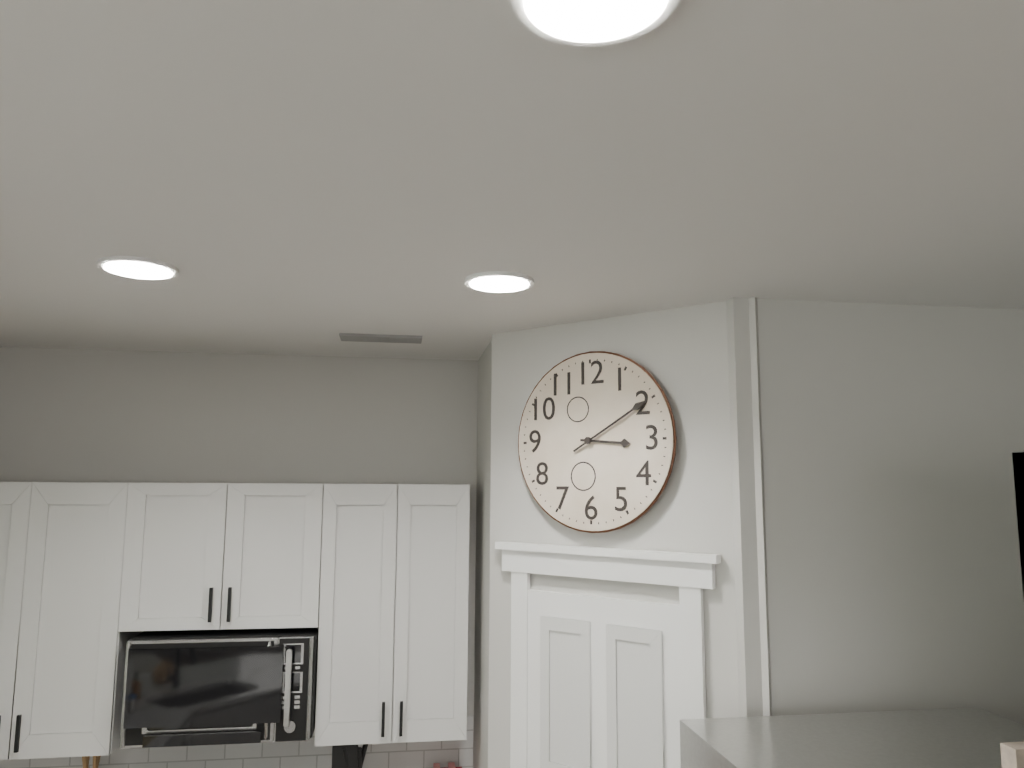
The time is 3h10
